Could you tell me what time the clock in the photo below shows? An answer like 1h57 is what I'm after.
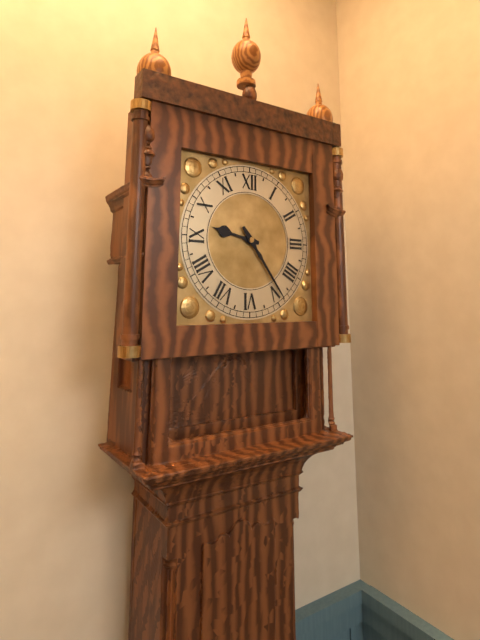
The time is 9h24
